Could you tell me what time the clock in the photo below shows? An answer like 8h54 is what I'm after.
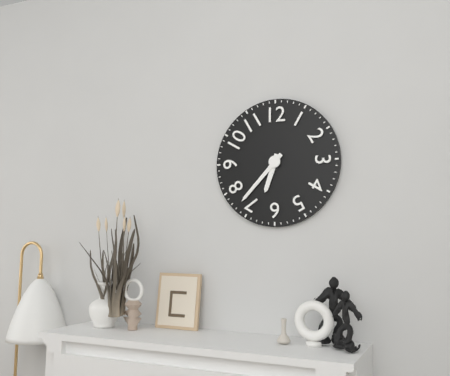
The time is 6h37
